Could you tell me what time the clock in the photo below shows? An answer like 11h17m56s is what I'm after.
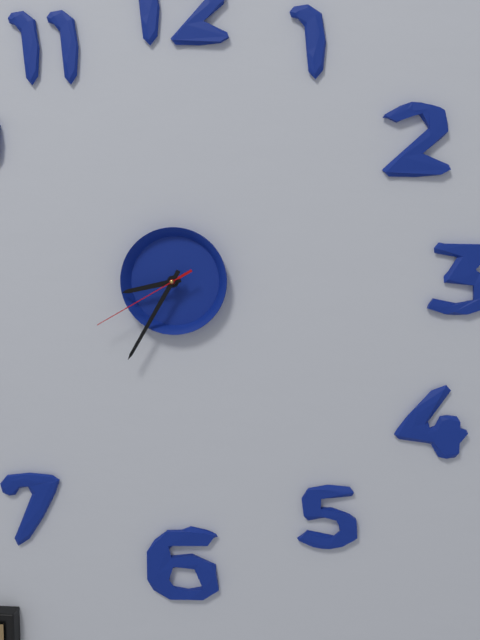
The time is 8h35m40s
